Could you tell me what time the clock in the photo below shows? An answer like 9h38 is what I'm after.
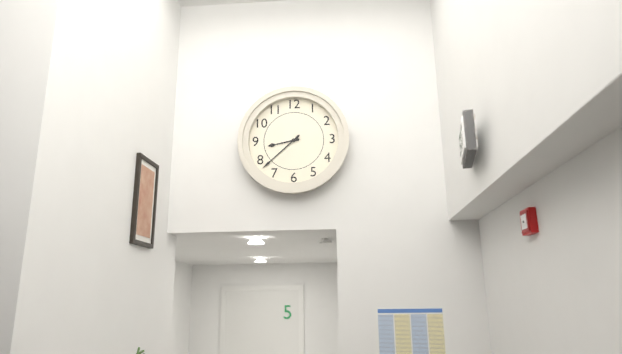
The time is 8h38
